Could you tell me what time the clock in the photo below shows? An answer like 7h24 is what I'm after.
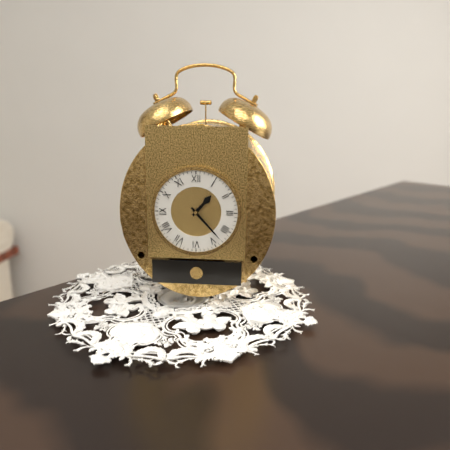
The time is 1h23
